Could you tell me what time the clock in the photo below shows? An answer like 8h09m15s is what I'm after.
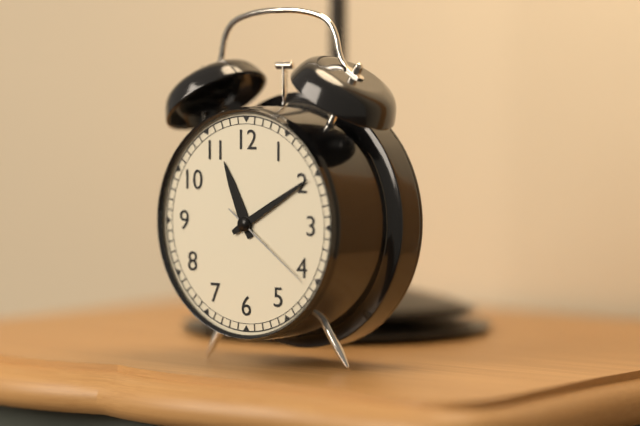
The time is 11h10m21s
